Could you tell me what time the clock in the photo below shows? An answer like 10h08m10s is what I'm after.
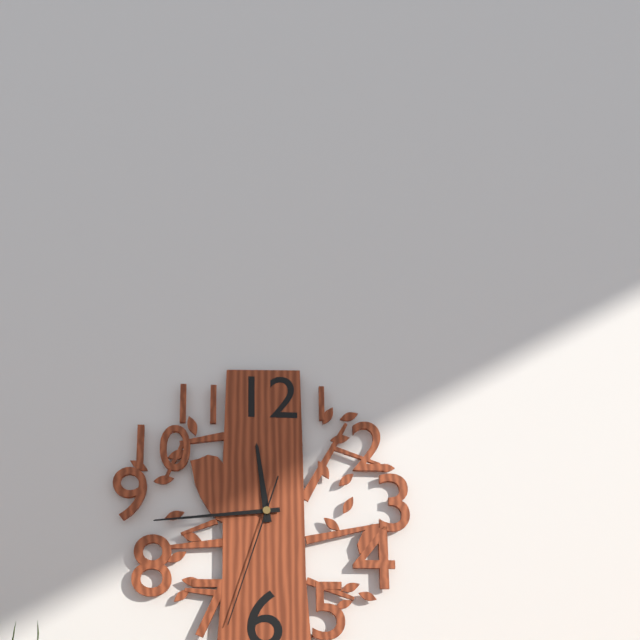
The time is 11h44m33s
